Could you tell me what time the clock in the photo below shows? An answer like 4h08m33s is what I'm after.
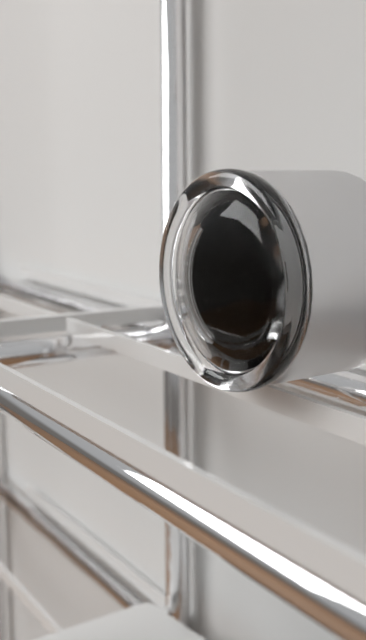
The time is 7h43m11s
